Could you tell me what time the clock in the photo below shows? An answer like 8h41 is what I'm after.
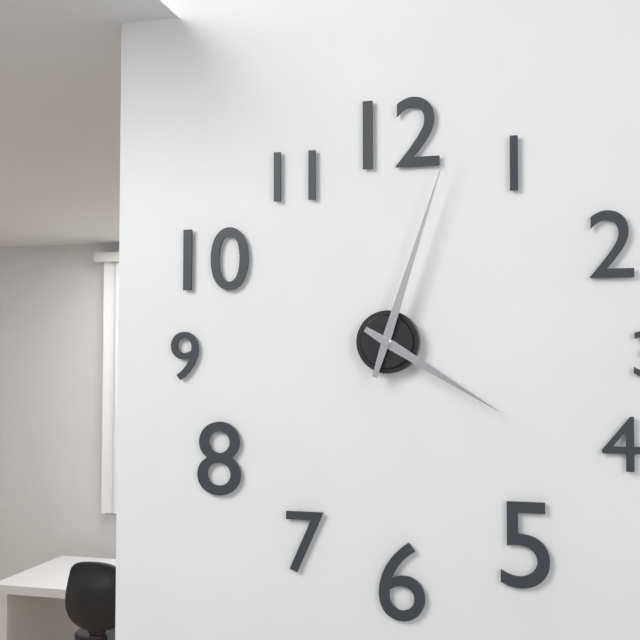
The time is 4h03
